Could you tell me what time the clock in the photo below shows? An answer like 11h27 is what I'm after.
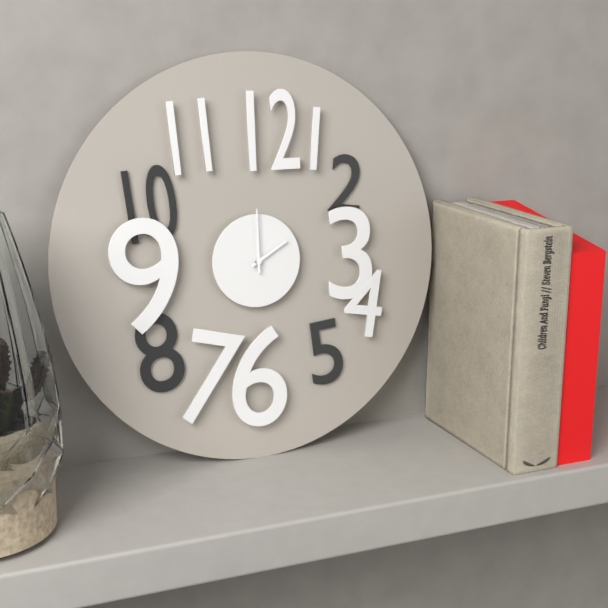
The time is 2h00
